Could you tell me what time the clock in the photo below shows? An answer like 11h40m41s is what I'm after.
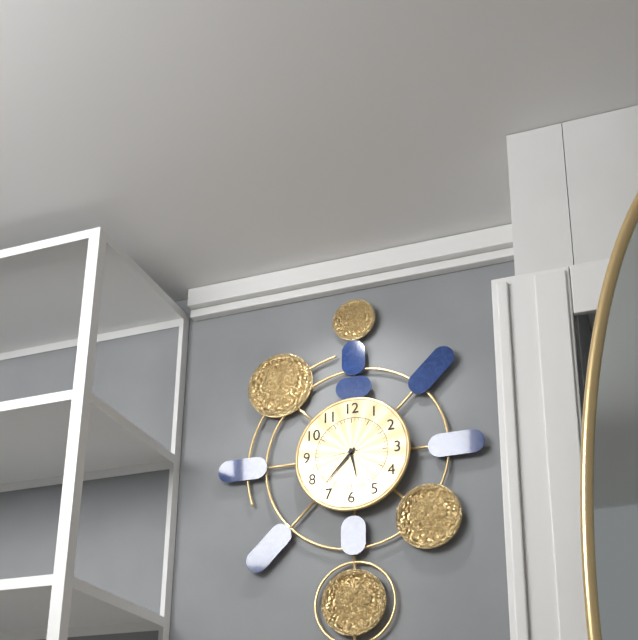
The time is 5h37m44s
